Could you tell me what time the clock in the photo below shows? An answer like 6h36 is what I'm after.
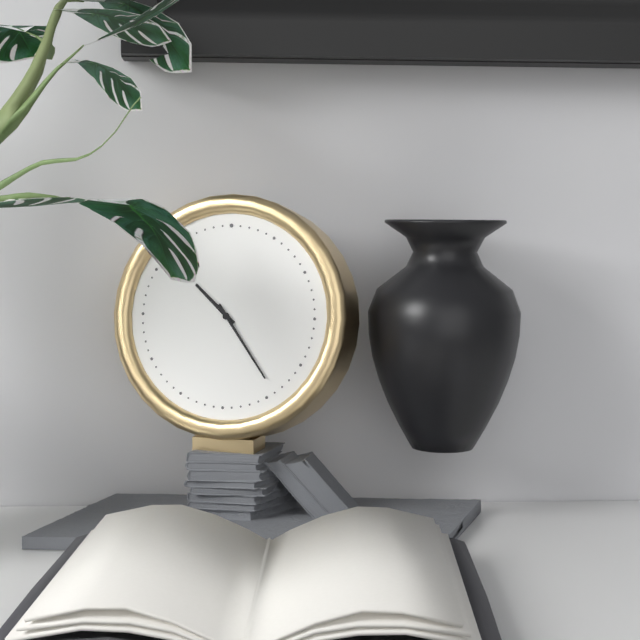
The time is 10h24
